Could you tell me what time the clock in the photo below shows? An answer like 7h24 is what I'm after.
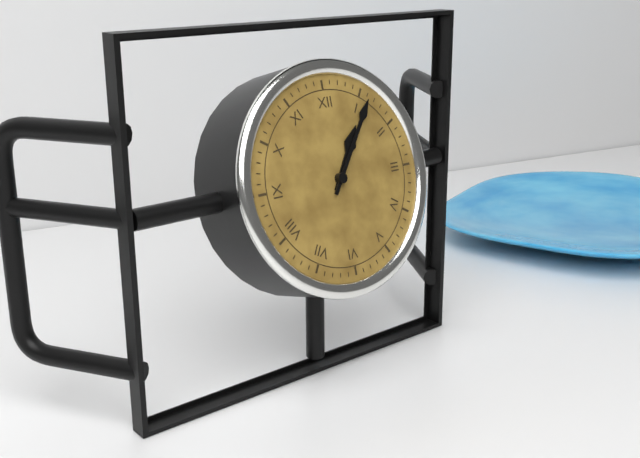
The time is 1h06
